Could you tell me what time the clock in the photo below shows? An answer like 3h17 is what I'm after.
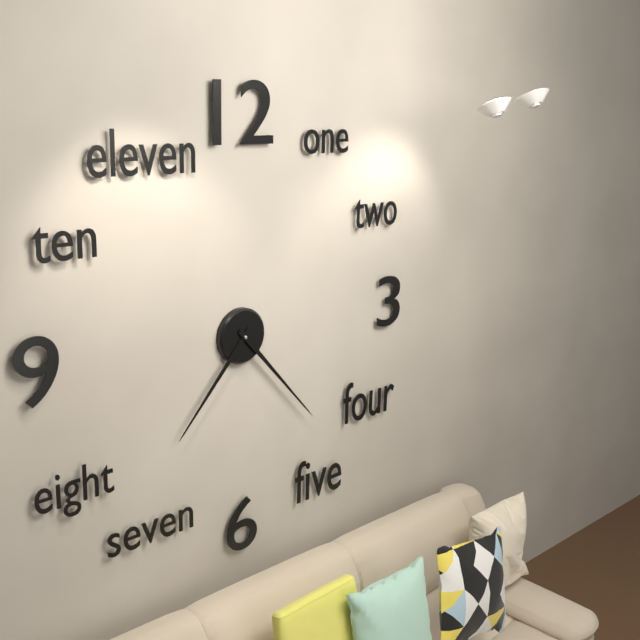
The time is 7h23
